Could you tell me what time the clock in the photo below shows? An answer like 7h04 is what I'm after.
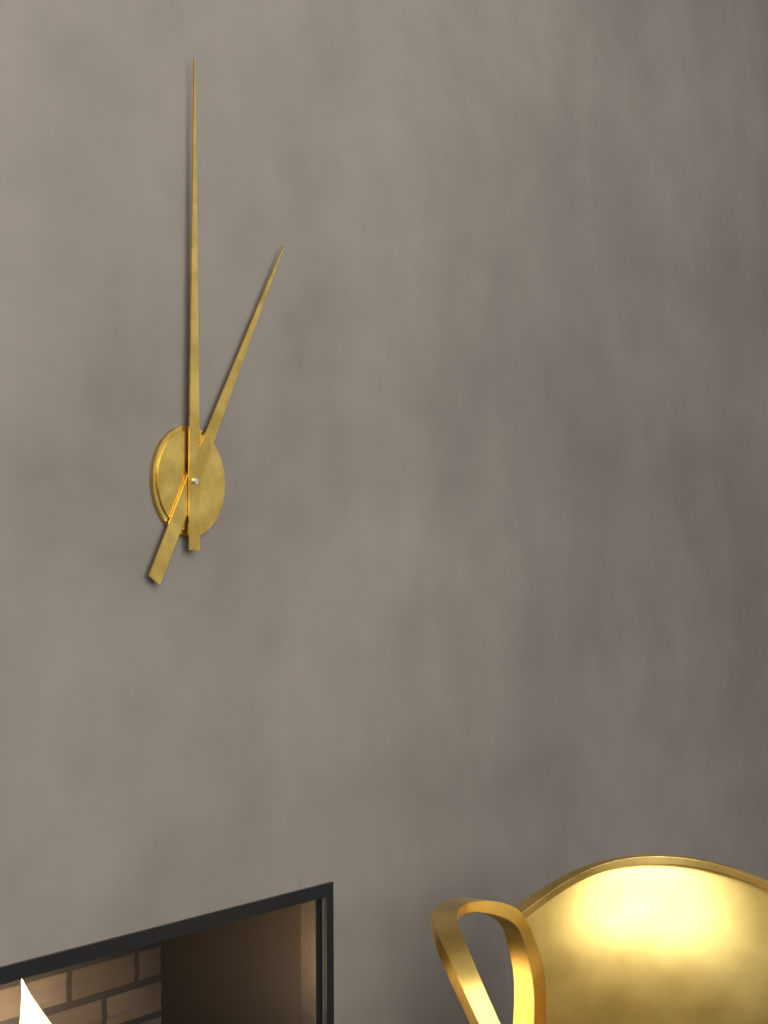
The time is 1h00
